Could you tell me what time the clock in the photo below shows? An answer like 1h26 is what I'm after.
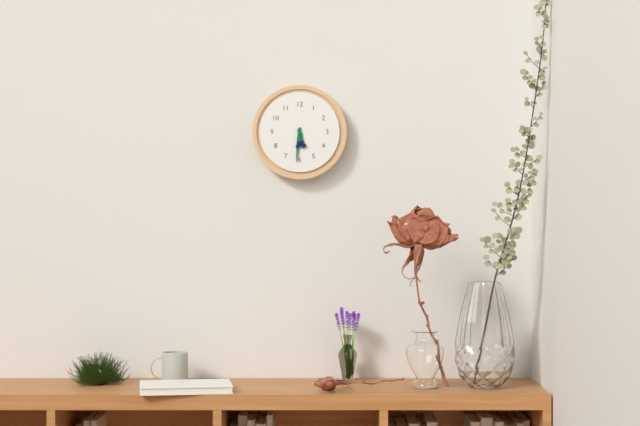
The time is 5h31
